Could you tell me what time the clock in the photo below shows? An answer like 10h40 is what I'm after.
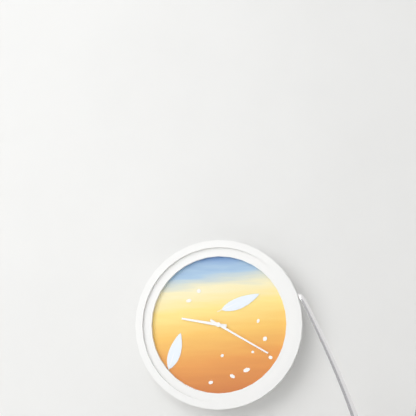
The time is 9h20
